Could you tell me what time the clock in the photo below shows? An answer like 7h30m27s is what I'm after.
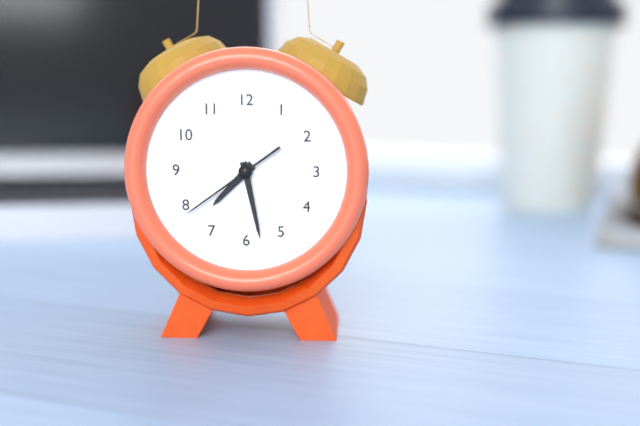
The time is 7h28m39s
